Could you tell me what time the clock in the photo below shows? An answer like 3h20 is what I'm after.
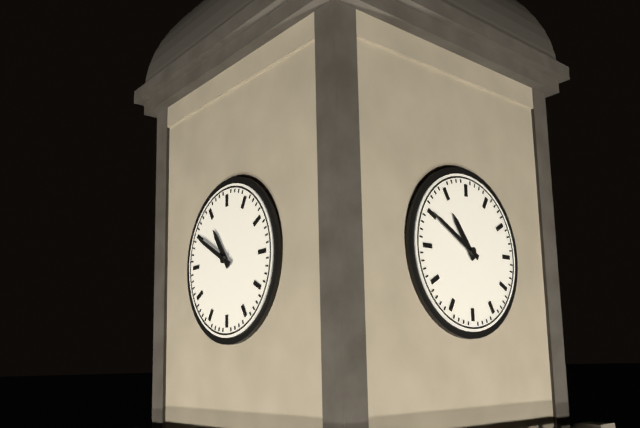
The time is 10h50
